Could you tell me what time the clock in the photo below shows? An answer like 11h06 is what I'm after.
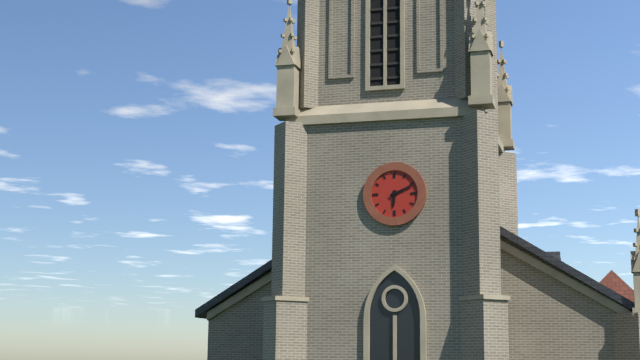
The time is 6h11
